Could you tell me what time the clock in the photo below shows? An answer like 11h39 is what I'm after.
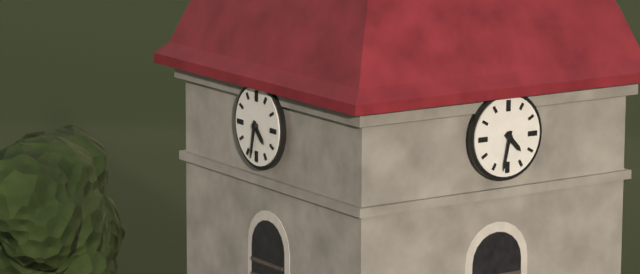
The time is 4h32
